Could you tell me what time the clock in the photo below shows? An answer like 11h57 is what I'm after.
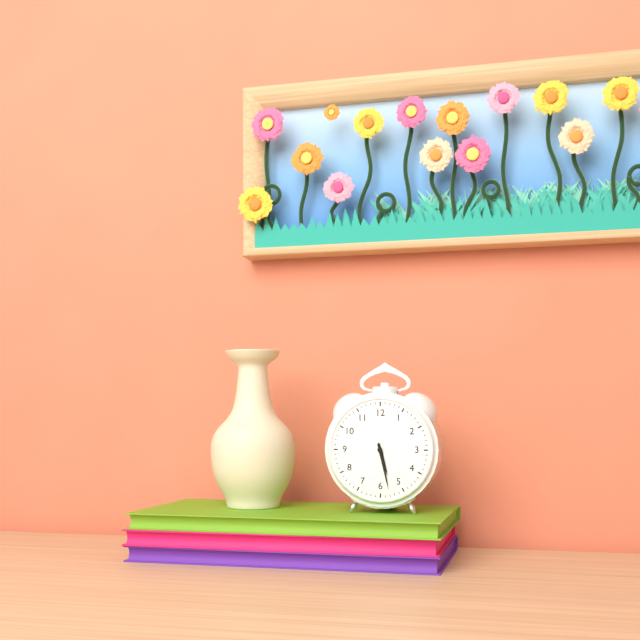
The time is 5h28
